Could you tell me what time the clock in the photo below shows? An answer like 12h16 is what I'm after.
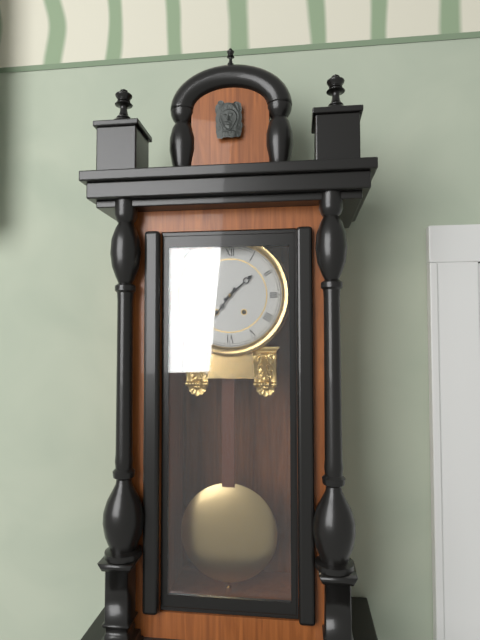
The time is 1h36
